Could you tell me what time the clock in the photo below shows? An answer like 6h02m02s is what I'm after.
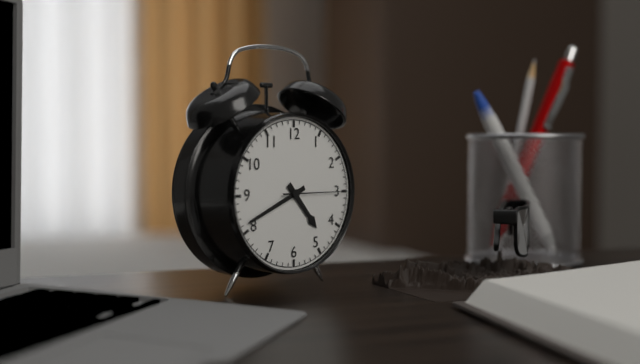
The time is 4h41m15s
